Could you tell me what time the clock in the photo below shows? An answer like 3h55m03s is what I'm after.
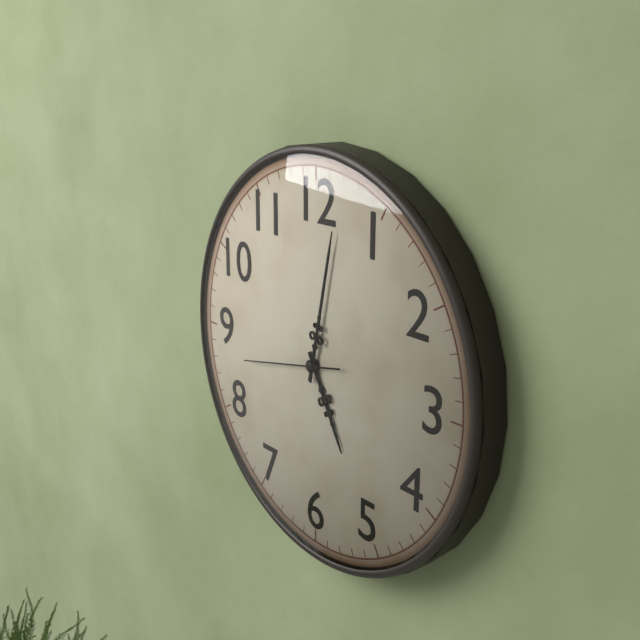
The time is 5h02m43s
